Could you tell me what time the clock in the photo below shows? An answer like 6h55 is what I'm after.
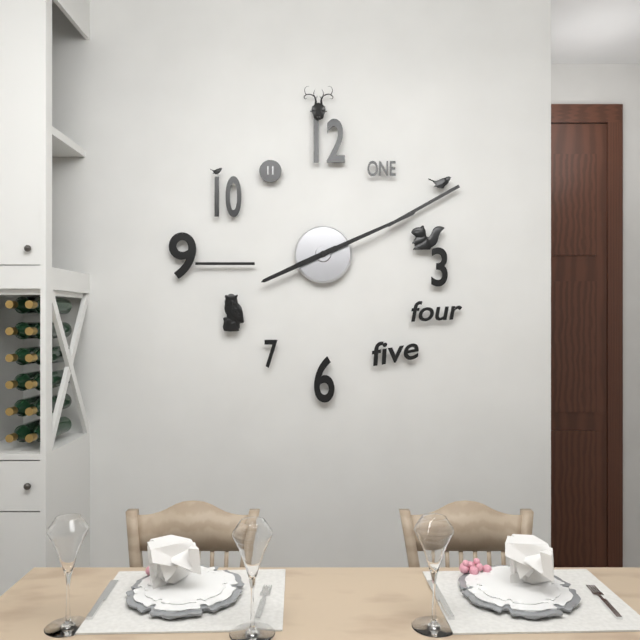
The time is 8h11
